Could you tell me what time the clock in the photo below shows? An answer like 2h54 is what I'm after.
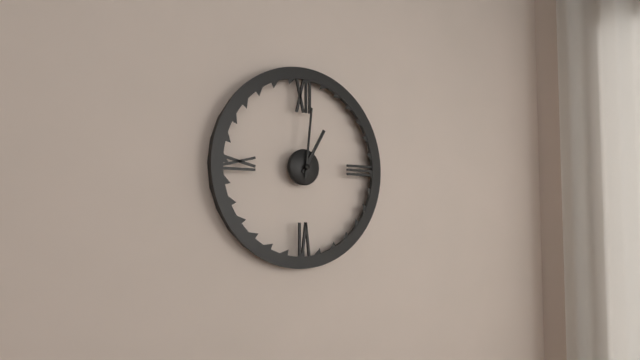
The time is 1h01
